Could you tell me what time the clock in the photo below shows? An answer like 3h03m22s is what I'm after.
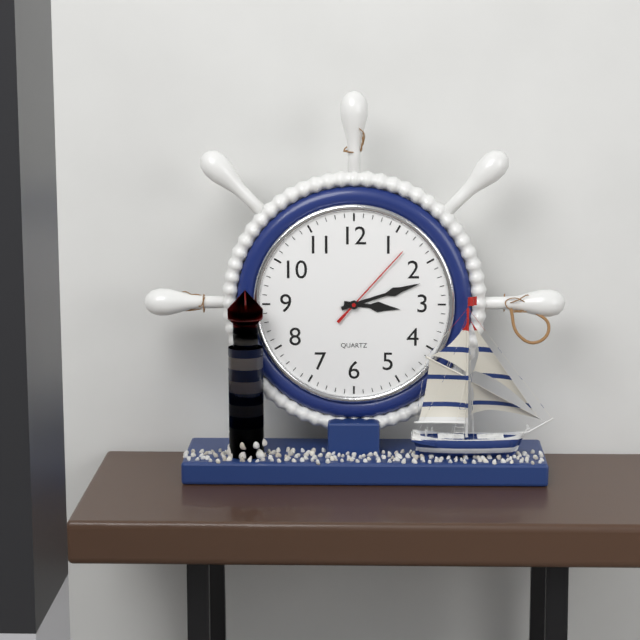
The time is 3h12m07s
